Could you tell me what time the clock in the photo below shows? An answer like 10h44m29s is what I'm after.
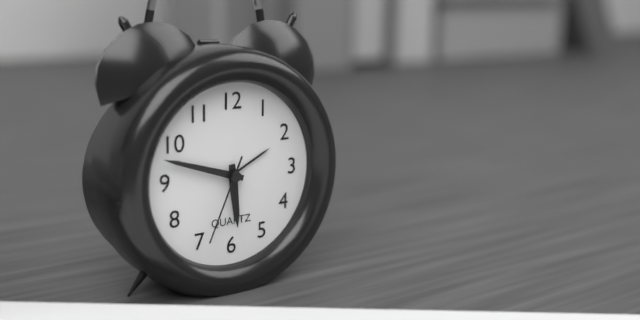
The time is 5h48m34s
